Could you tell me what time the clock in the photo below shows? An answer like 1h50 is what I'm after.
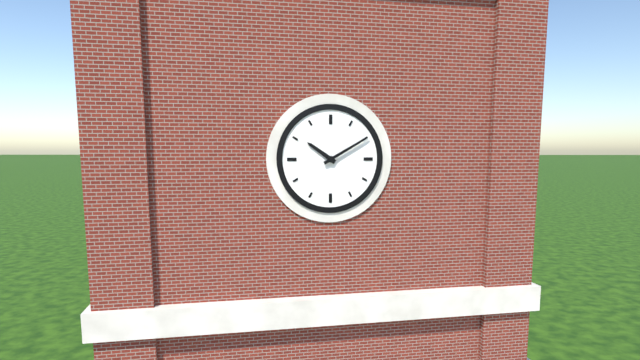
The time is 10h10
